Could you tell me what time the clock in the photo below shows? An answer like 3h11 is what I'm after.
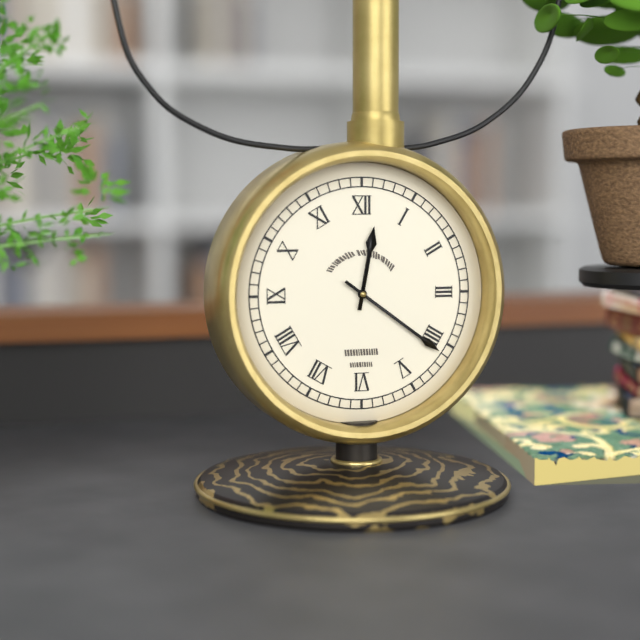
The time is 12h21
